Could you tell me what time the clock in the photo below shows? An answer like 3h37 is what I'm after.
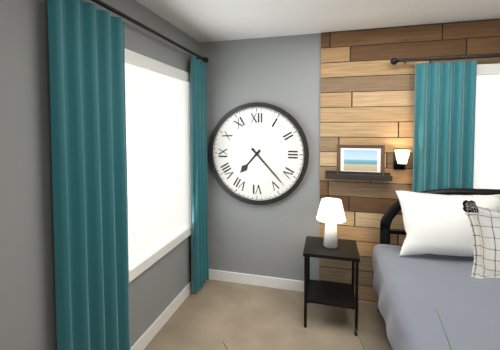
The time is 7h23
